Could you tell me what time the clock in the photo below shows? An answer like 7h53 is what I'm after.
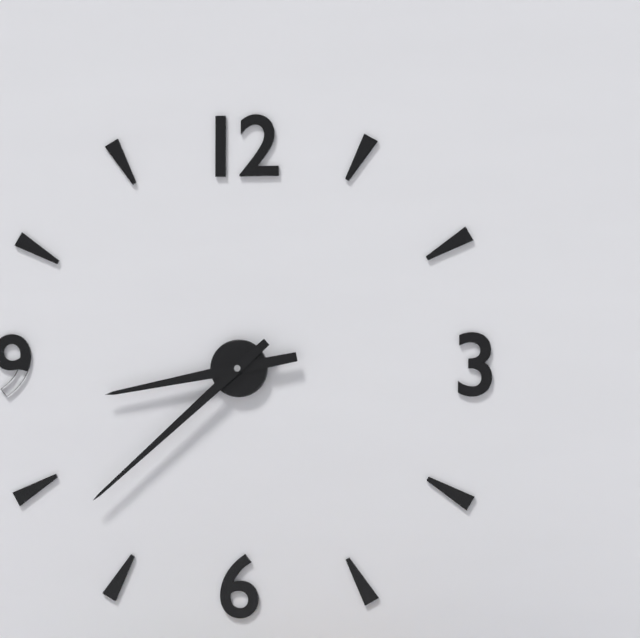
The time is 8h38
